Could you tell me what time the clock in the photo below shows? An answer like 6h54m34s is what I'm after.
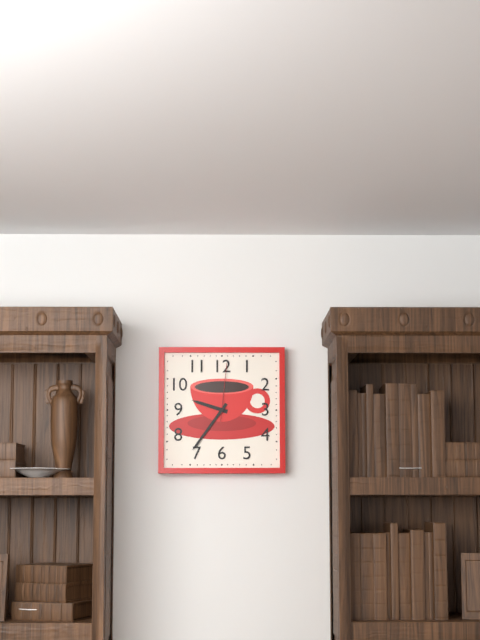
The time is 9h36m01s
